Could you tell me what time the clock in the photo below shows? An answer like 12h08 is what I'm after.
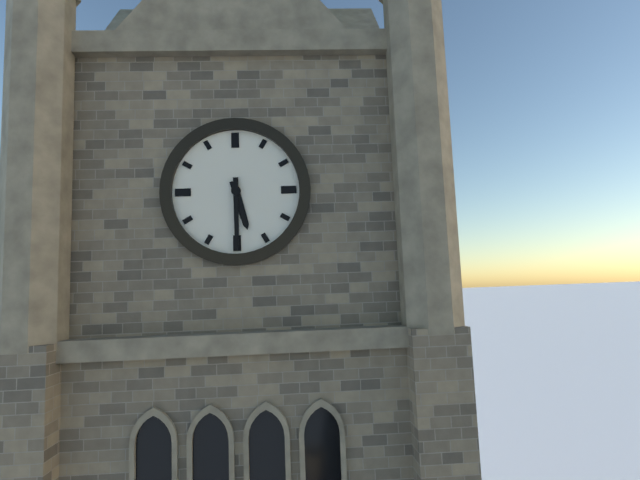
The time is 5h30
